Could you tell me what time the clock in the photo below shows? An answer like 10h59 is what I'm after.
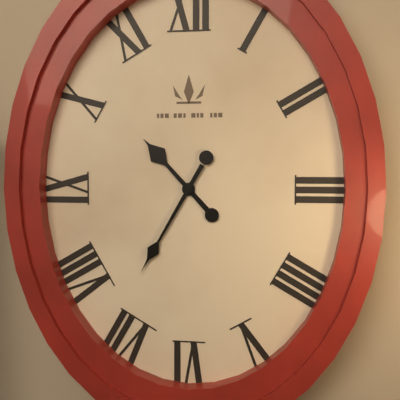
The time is 10h35
